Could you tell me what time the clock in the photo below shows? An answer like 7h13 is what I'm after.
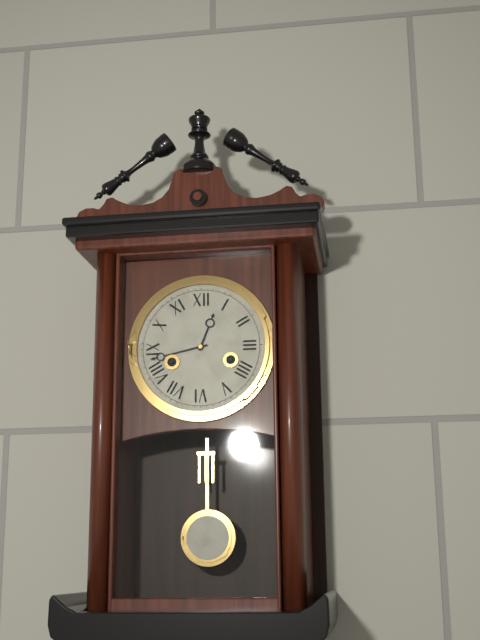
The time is 12h43
